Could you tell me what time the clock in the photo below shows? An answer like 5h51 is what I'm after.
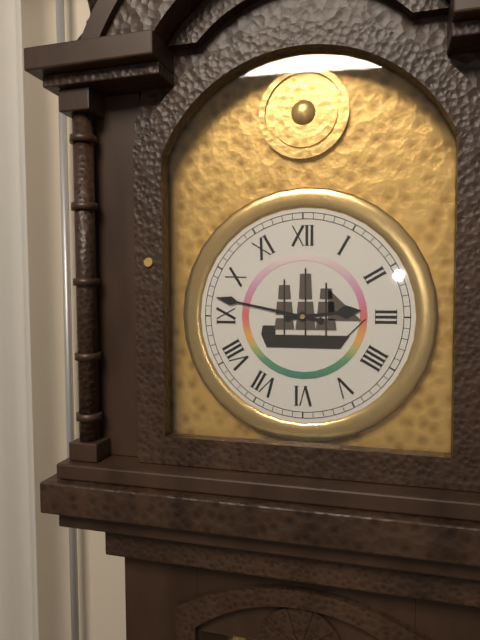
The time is 2h47
